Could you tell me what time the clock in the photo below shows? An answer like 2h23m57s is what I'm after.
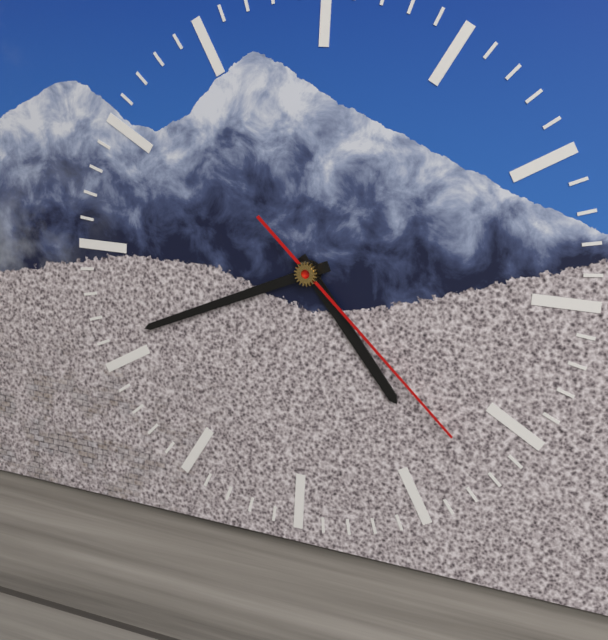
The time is 4h41m22s
